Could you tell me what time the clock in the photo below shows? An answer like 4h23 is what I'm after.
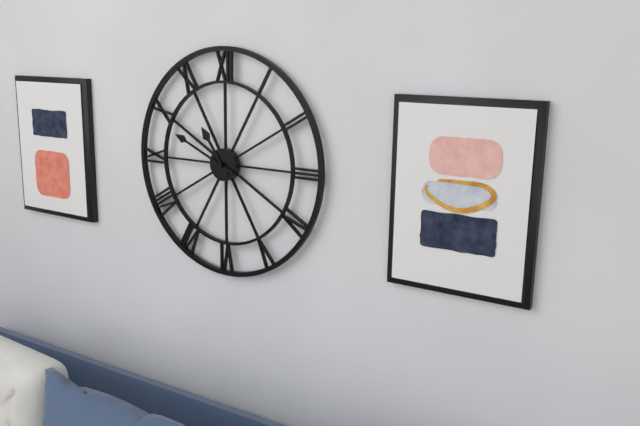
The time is 10h49
